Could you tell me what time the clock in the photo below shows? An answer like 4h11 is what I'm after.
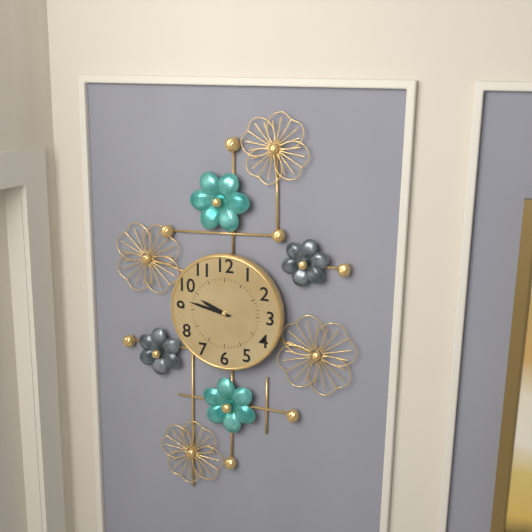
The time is 9h47
